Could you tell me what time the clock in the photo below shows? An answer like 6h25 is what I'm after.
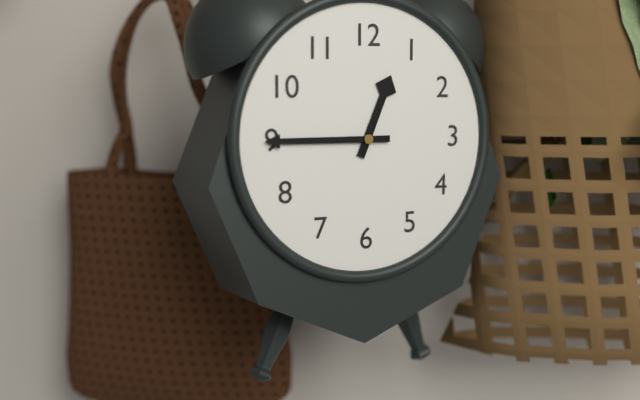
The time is 12h45
